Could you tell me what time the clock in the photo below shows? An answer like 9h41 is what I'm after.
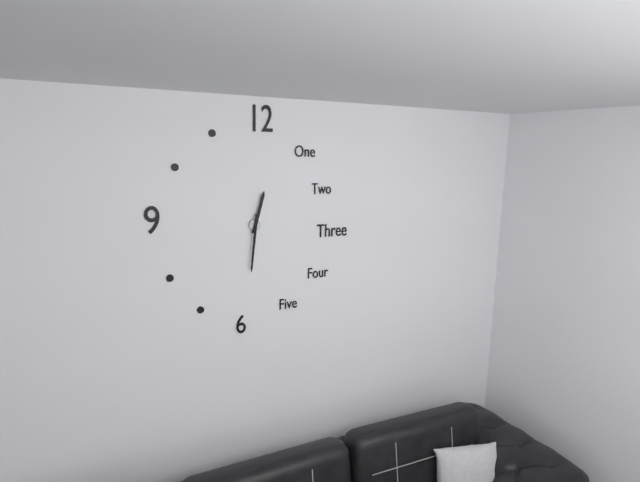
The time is 12h31
